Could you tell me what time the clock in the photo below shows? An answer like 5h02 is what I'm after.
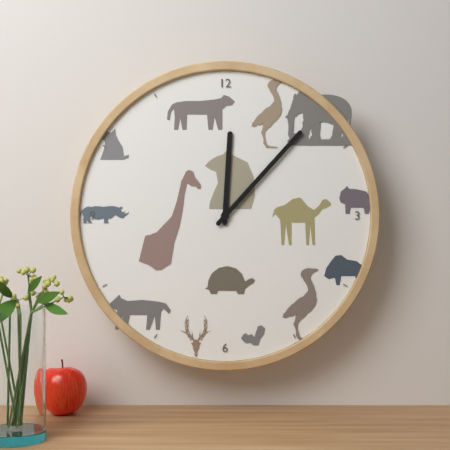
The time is 12h07
